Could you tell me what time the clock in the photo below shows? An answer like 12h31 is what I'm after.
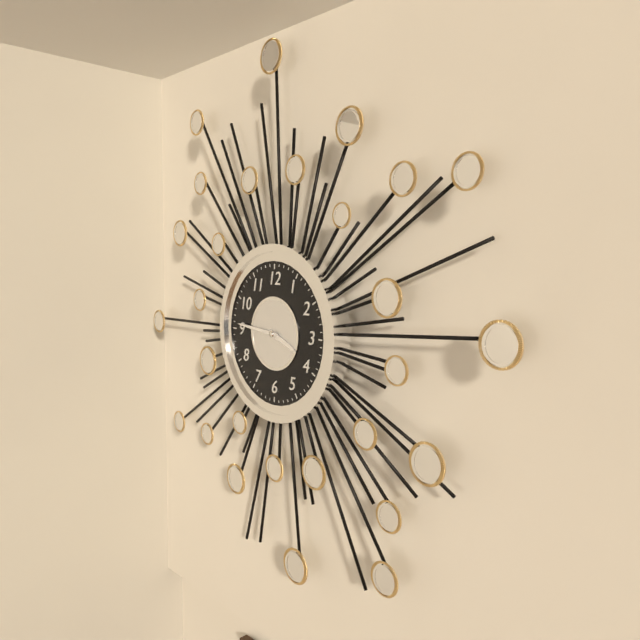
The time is 3h46
